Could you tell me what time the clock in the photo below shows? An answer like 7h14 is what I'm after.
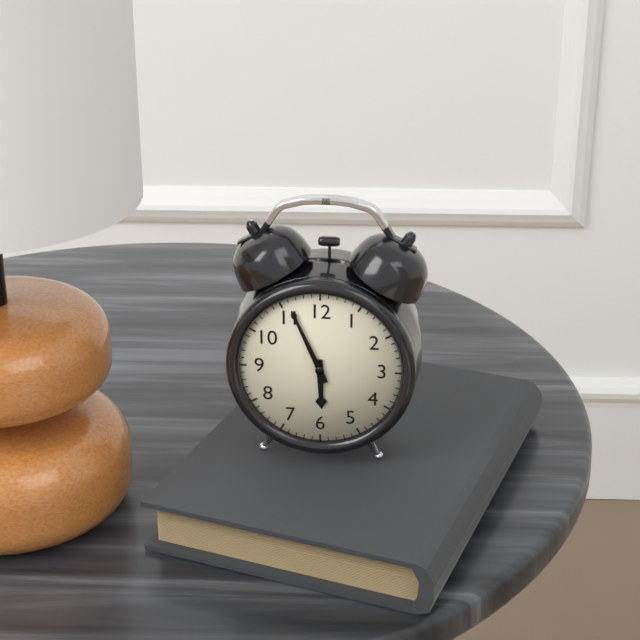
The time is 5h56
